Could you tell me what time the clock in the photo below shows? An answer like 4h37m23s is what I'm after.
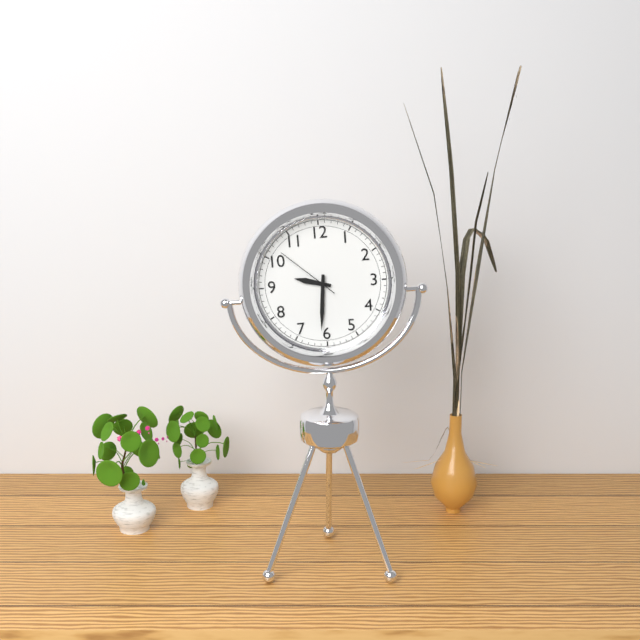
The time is 9h31m52s
